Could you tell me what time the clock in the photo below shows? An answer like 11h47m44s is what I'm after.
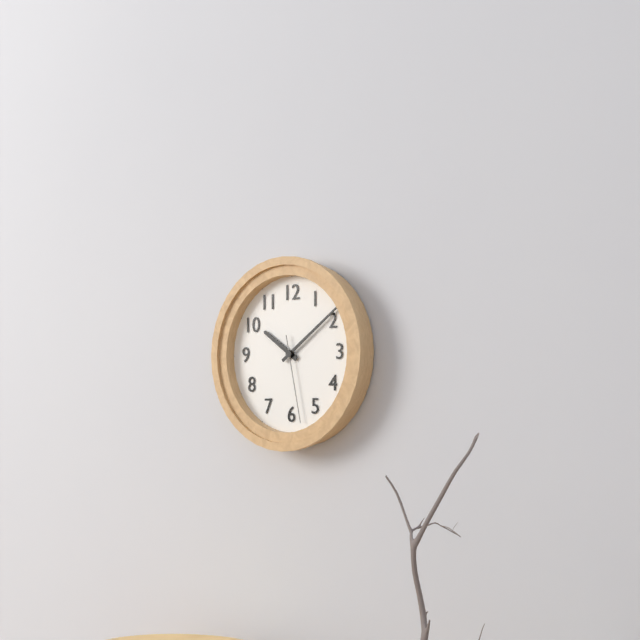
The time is 10h09m28s
